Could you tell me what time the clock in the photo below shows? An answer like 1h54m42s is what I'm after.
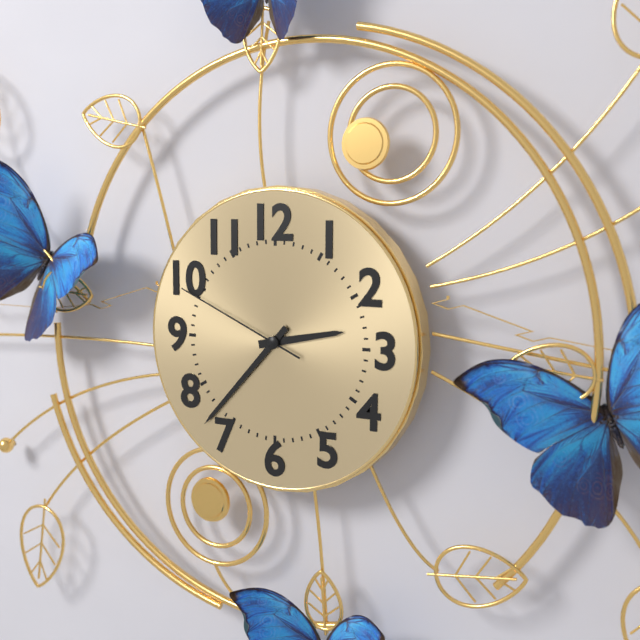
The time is 2h37m49s
